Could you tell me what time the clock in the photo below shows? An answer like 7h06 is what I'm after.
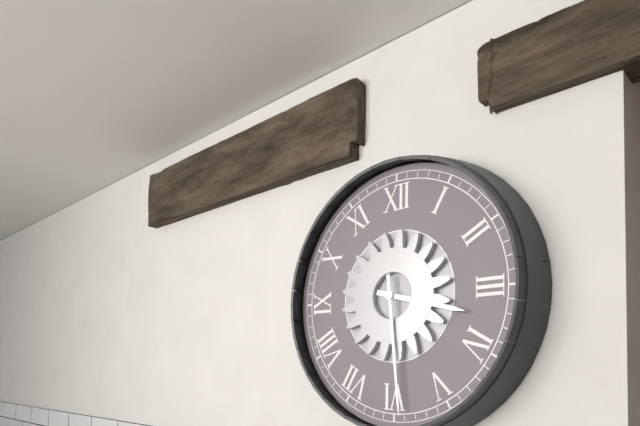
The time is 3h29
